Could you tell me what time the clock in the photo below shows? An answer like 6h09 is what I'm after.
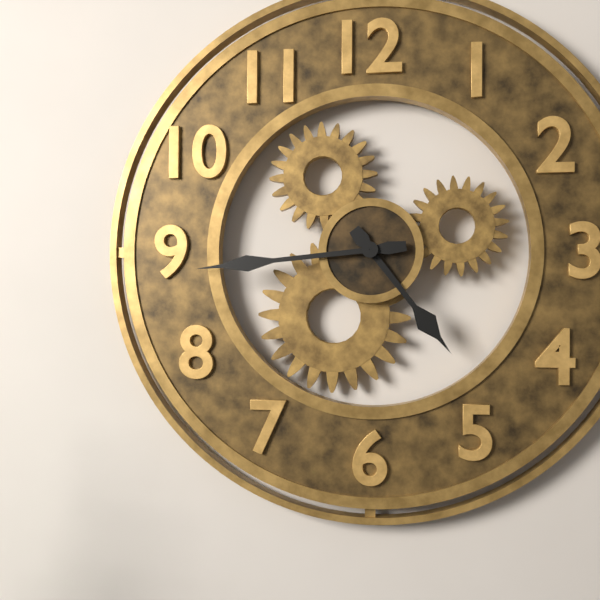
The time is 4h44
